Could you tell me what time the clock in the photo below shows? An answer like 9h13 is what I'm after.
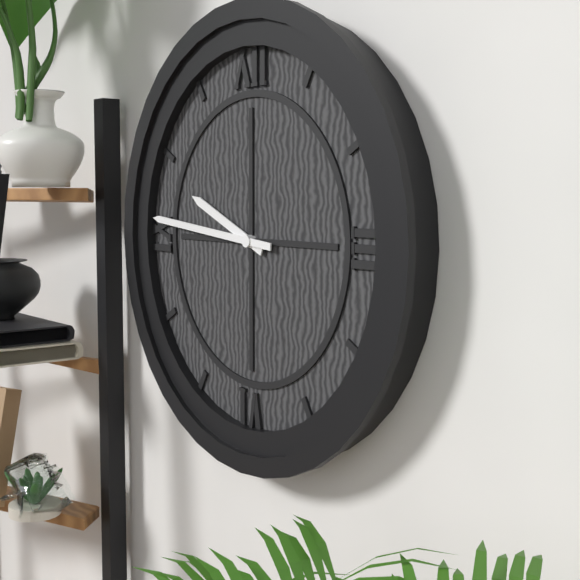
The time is 9h46
